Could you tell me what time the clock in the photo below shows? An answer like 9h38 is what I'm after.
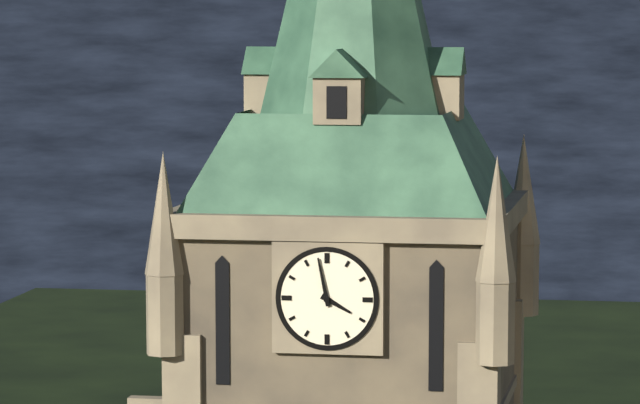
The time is 3h58
